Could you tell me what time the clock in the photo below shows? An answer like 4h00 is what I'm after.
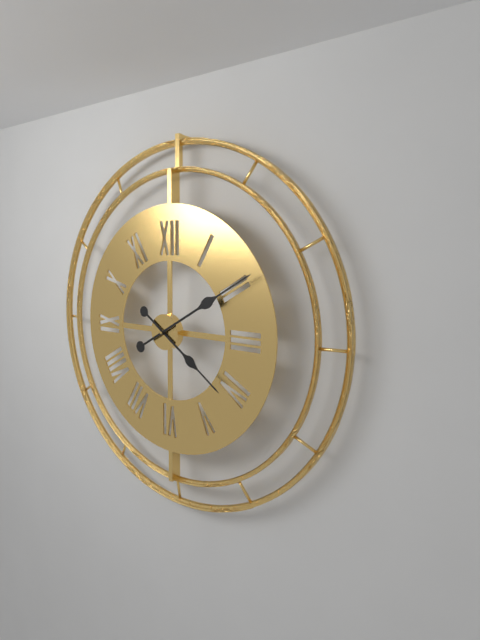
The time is 4h10
